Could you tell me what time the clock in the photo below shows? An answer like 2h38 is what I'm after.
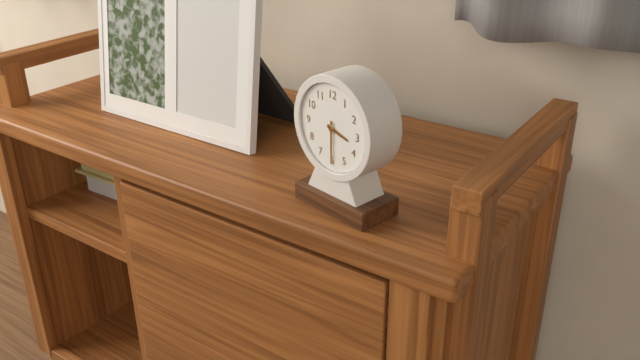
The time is 3h30
